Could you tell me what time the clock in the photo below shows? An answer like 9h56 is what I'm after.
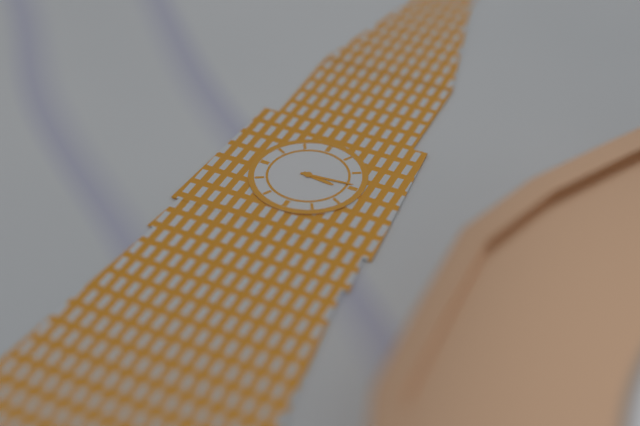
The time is 3h14
